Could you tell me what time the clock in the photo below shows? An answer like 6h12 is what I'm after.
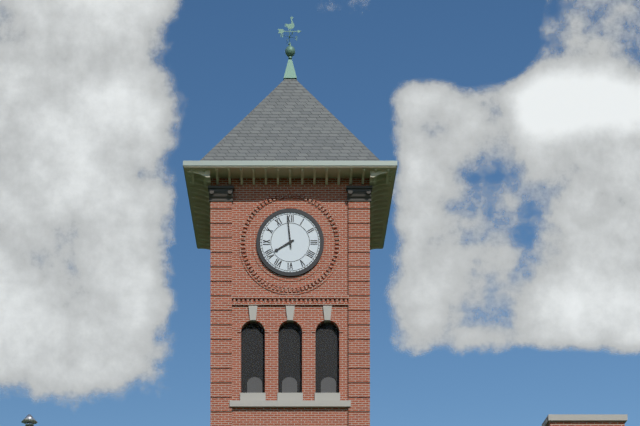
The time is 7h59
